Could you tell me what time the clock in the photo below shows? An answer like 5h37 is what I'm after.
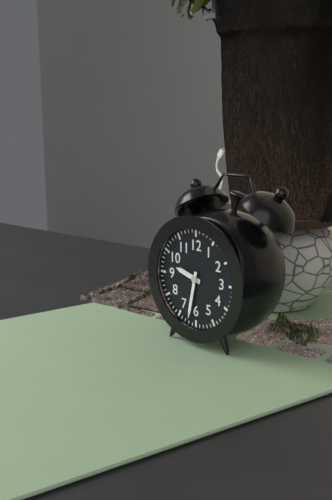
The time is 9h32
